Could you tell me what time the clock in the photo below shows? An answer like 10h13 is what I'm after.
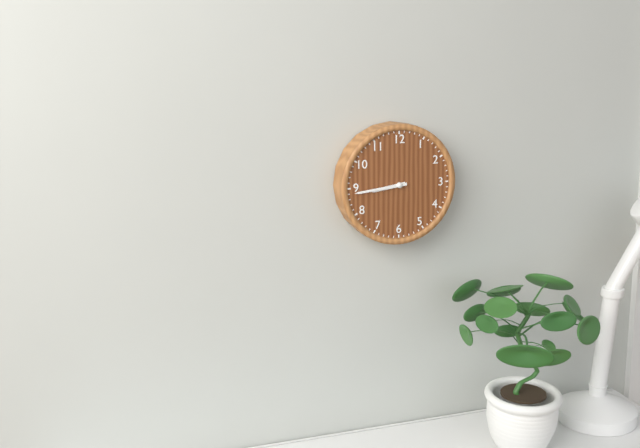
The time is 8h44
